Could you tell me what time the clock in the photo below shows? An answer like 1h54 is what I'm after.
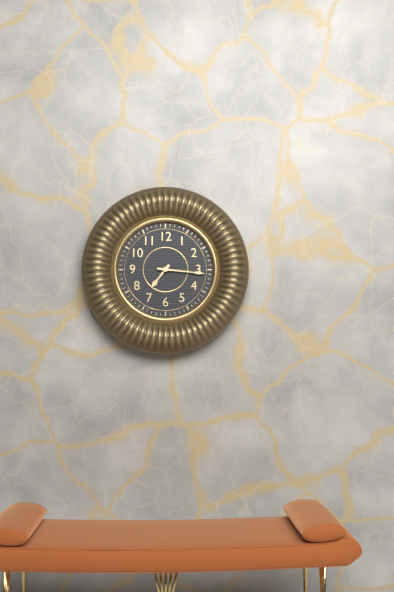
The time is 7h16
